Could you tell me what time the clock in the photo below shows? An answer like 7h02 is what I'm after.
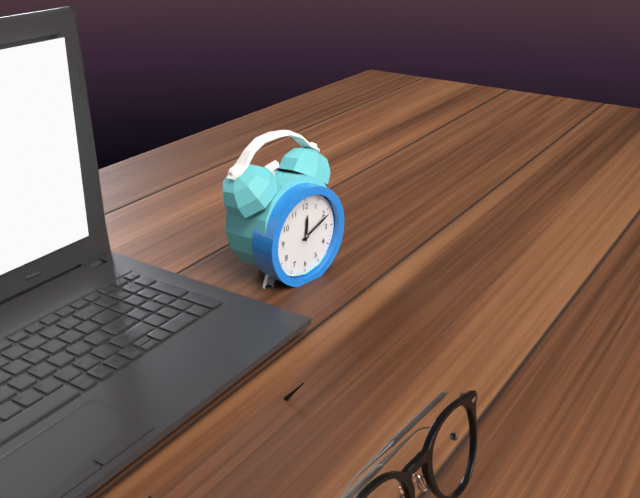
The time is 12h11
